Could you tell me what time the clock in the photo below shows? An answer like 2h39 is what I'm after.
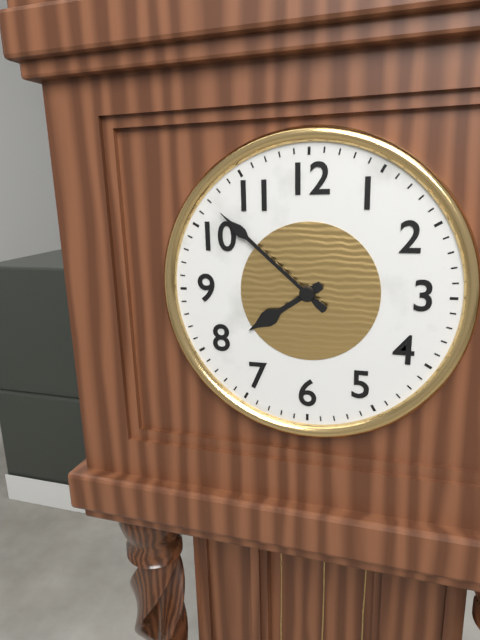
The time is 7h52
